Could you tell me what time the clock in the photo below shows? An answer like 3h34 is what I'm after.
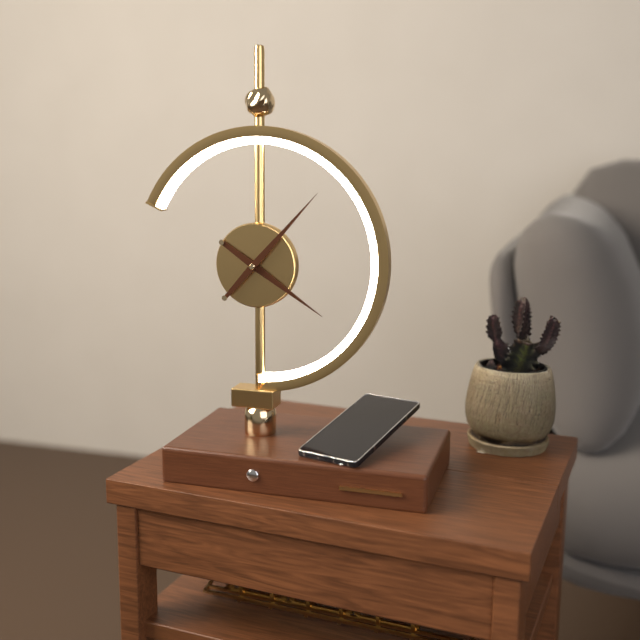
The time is 4h07
